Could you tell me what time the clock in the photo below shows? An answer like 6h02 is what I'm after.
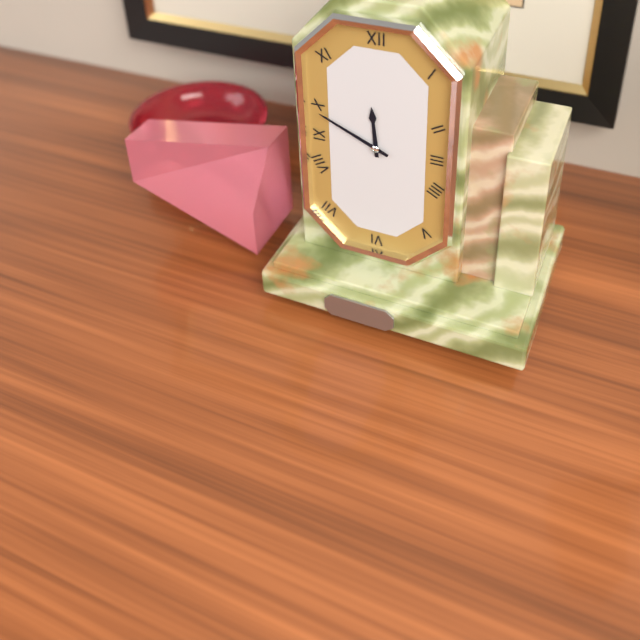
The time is 11h49
